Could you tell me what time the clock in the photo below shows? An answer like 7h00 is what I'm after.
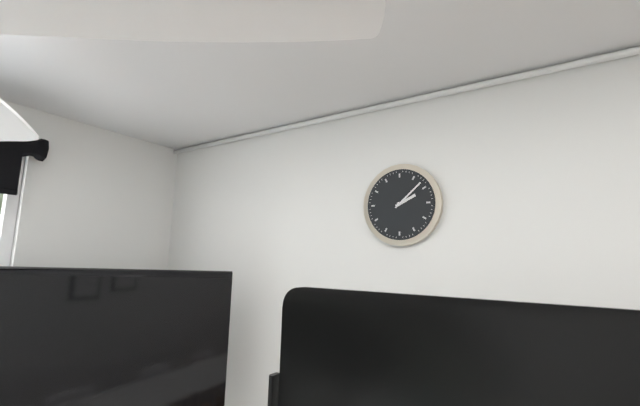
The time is 2h08
